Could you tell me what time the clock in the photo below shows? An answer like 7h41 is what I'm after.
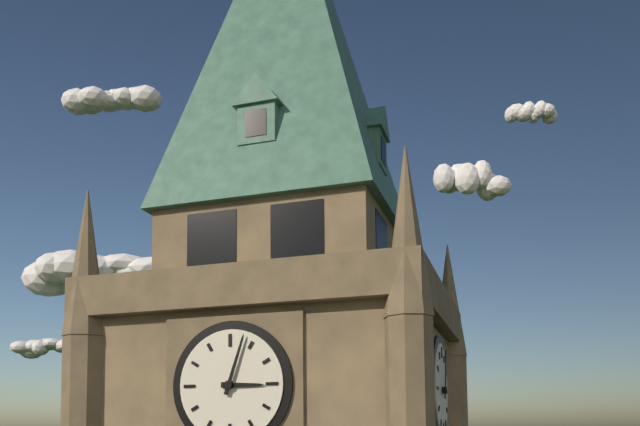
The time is 3h03
